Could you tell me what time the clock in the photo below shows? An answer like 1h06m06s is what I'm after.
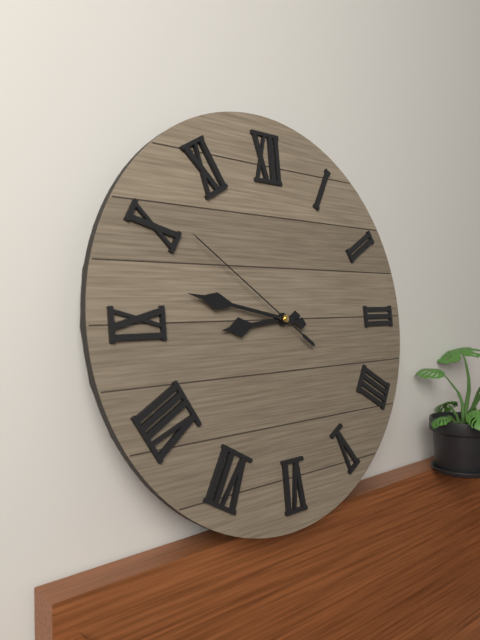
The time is 8h47m51s
